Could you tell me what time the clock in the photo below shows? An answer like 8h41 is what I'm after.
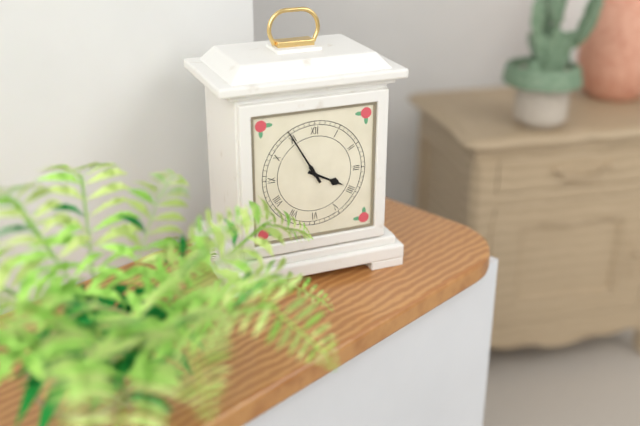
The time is 3h55
